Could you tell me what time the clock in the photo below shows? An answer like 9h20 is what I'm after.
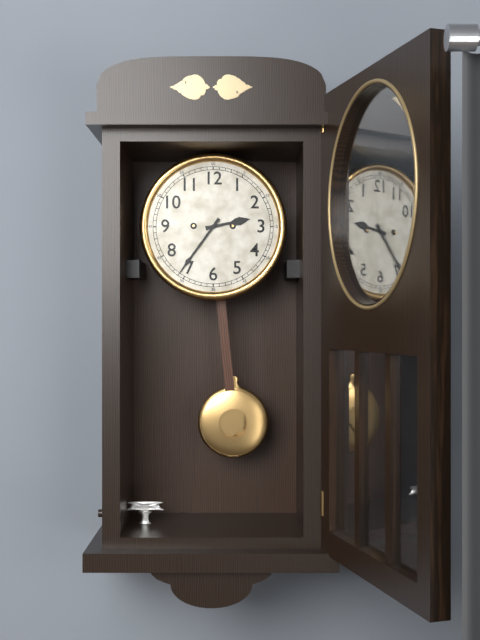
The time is 2h36
